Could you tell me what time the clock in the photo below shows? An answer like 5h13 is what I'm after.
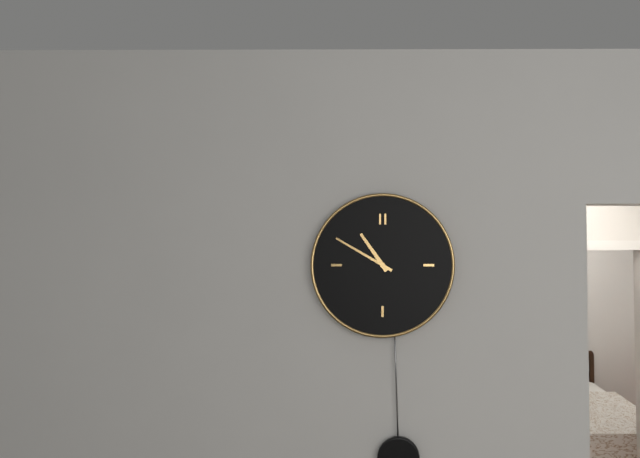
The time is 10h50
